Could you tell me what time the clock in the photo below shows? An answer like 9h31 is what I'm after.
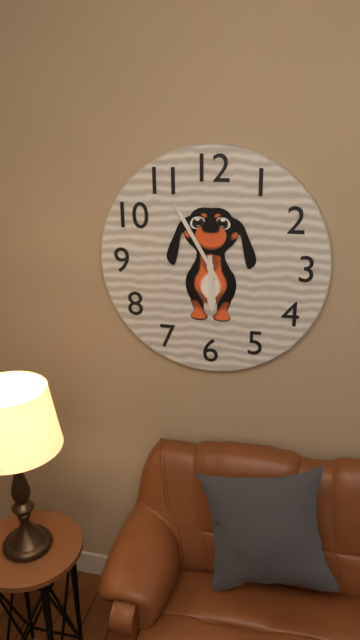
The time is 5h55
